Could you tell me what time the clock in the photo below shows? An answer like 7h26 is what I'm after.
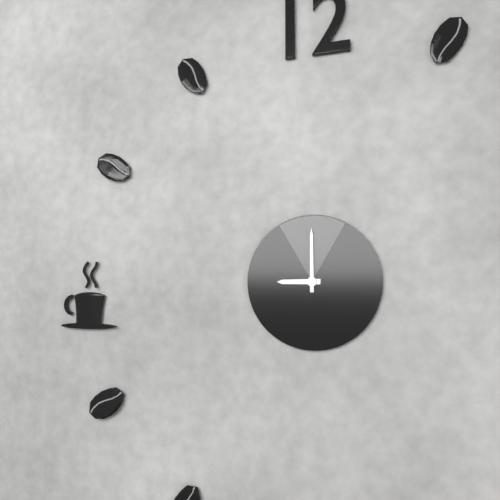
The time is 9h00
